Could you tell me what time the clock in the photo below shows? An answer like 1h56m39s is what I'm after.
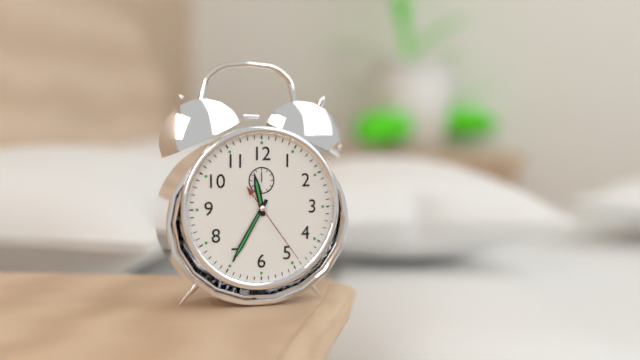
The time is 11h35m24s
